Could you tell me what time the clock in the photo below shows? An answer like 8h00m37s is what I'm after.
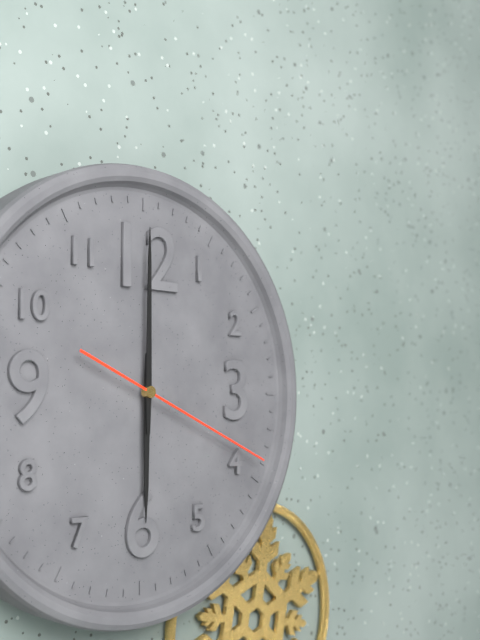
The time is 6h00m19s
